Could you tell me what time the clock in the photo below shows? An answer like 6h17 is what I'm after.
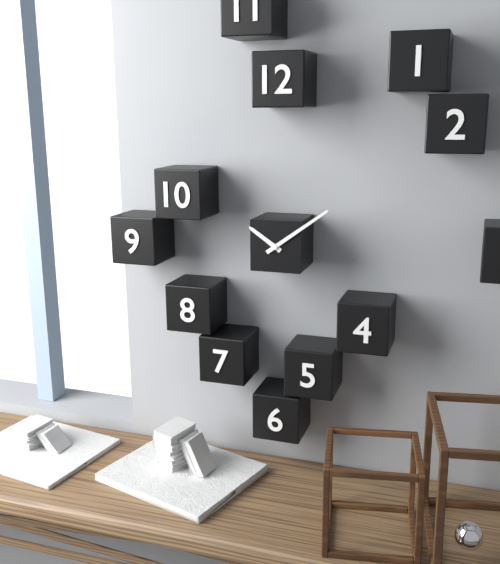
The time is 10h09
